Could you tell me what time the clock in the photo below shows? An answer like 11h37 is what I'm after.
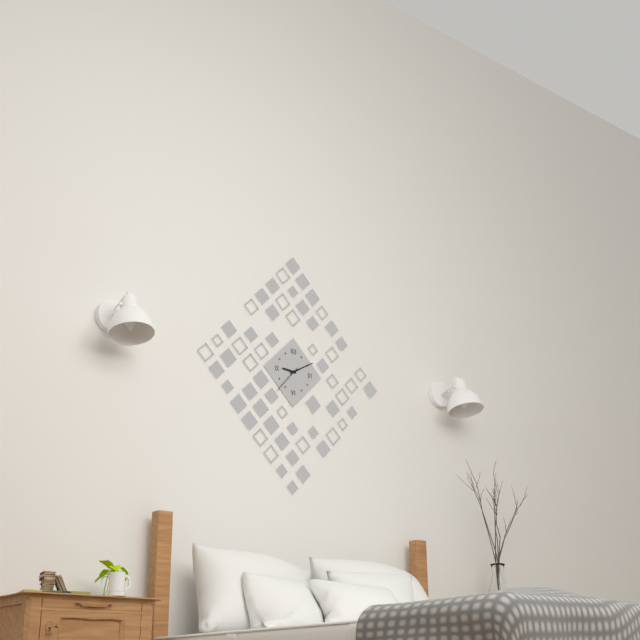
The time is 9h10
